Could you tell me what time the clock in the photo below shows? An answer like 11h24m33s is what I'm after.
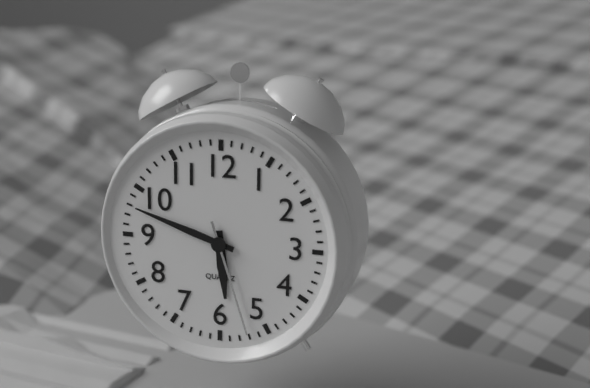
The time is 5h48m27s
